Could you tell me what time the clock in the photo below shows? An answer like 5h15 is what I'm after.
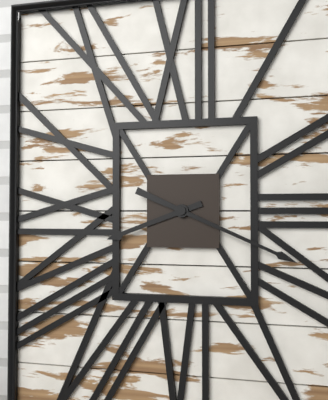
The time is 8h19
